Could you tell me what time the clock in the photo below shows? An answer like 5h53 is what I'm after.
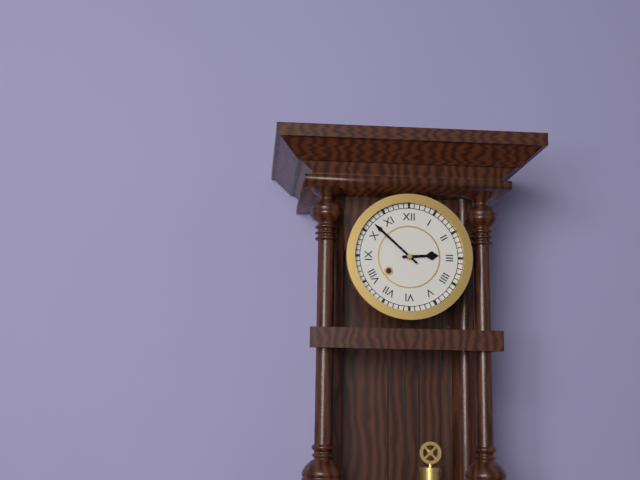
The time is 2h52
